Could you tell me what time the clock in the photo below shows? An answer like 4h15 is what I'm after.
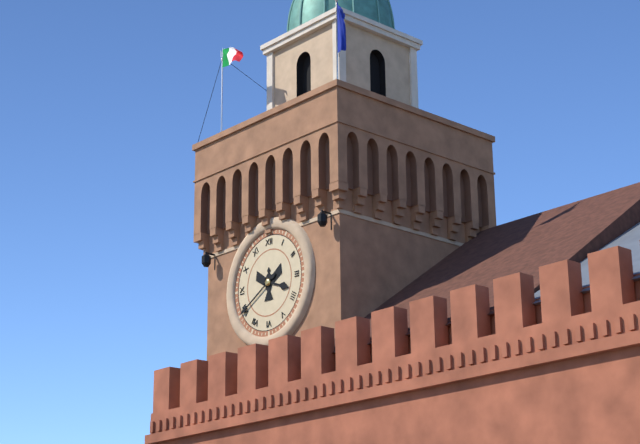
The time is 3h40
